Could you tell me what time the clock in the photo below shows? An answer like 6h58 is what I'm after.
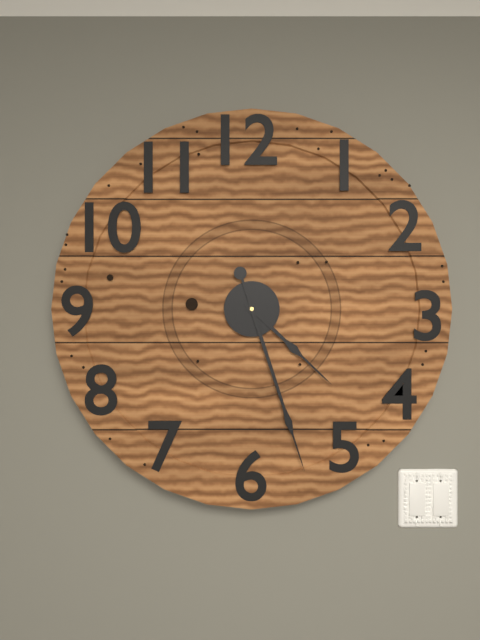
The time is 4h27
